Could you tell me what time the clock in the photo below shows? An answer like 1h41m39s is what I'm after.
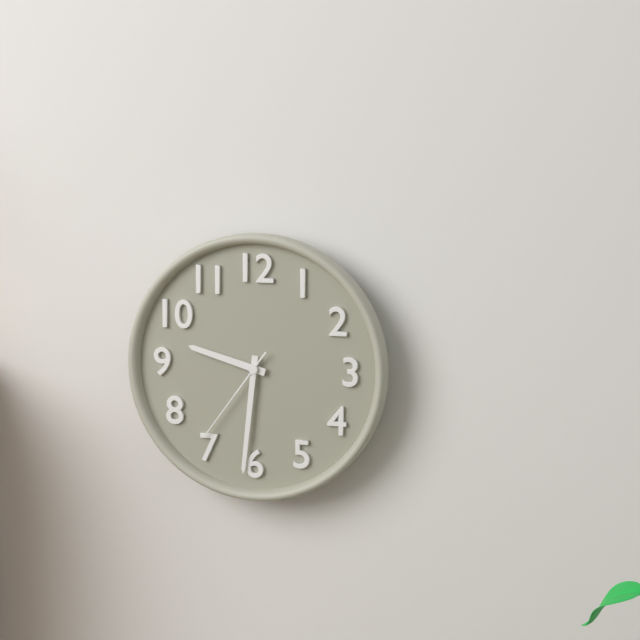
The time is 9h31m36s
